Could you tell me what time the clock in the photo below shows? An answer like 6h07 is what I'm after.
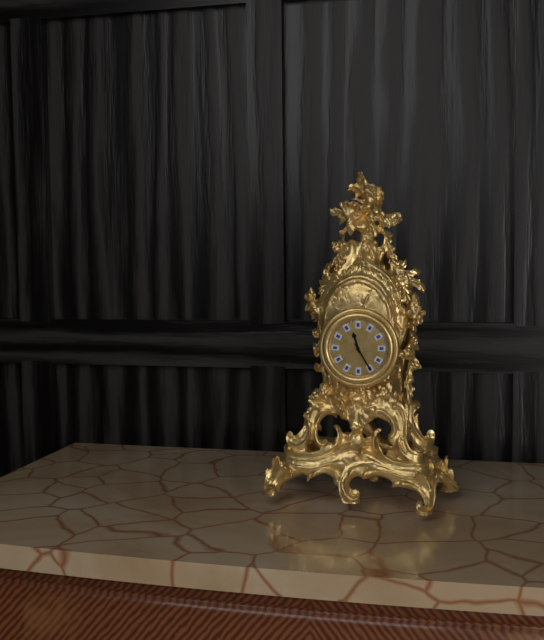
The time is 11h25
